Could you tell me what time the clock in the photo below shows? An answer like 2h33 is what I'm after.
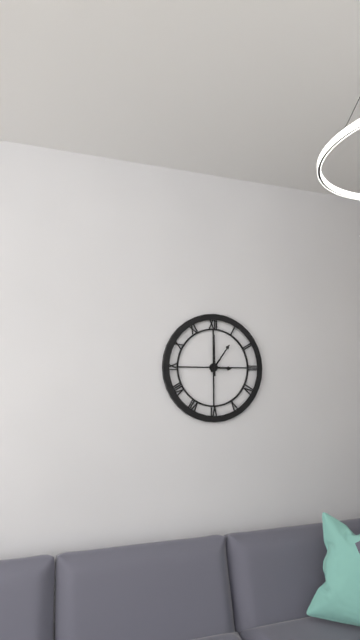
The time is 3h06
